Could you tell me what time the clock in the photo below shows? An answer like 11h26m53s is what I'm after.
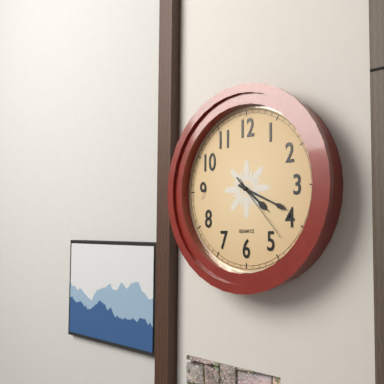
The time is 4h19m23s
